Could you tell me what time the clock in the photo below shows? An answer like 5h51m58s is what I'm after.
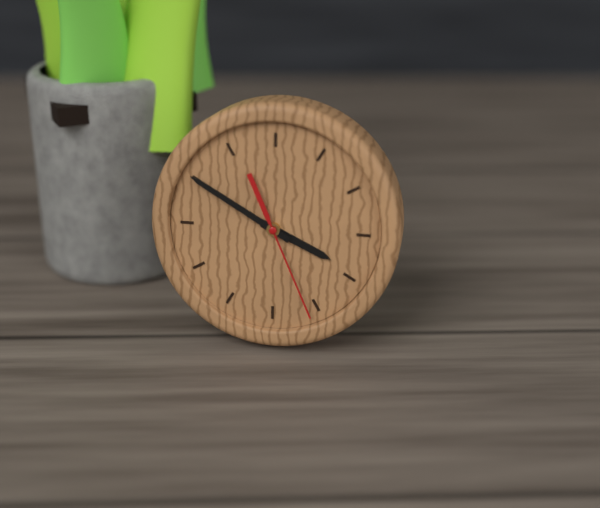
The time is 3h50m26s
